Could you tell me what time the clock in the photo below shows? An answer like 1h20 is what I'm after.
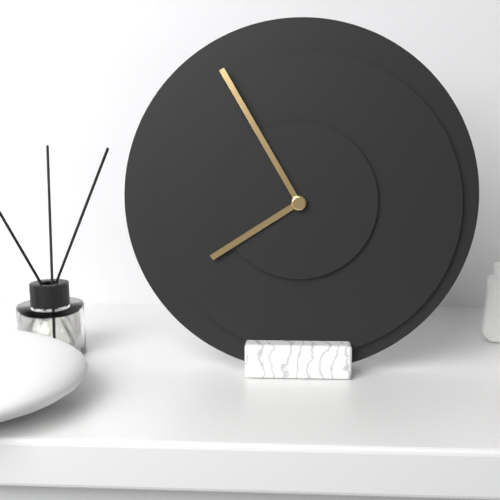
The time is 7h55
